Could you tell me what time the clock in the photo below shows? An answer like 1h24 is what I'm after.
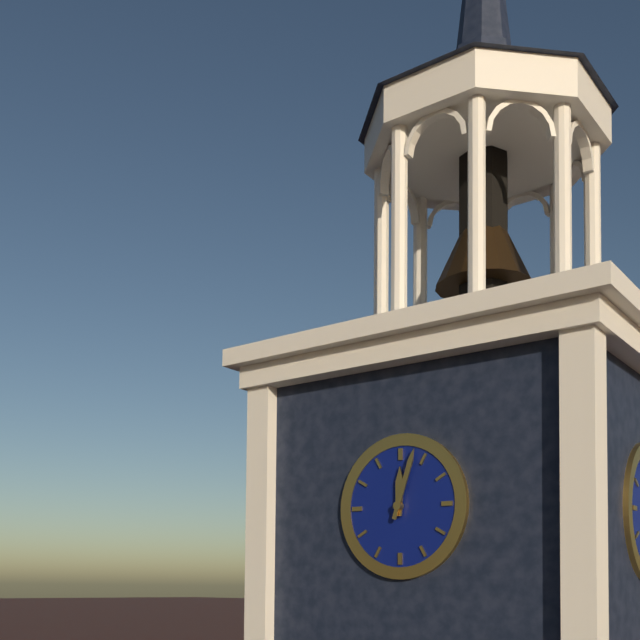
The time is 12h03
